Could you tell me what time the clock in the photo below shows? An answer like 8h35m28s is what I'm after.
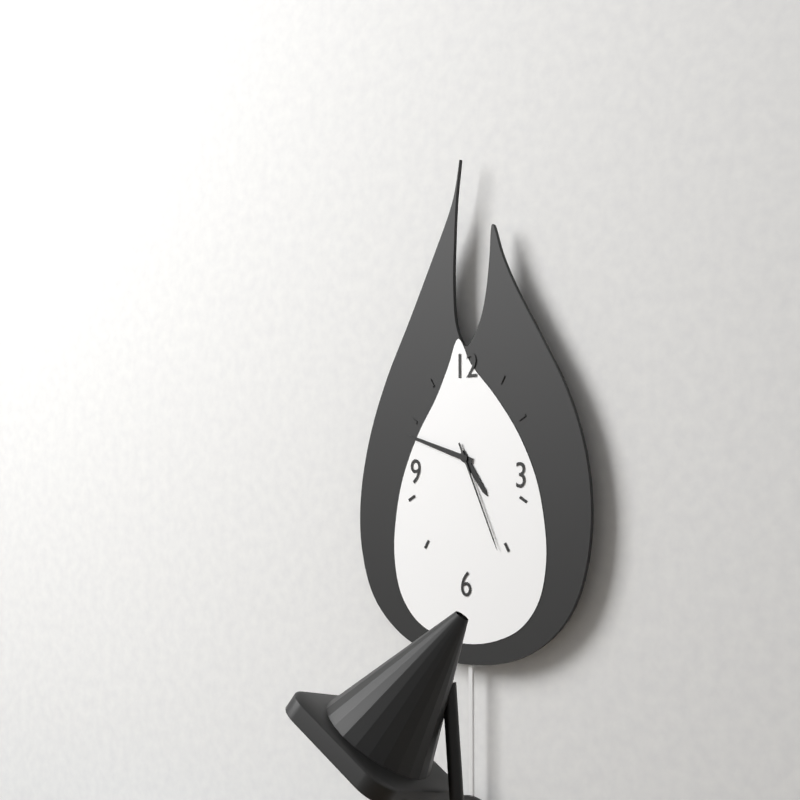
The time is 4h48m26s
